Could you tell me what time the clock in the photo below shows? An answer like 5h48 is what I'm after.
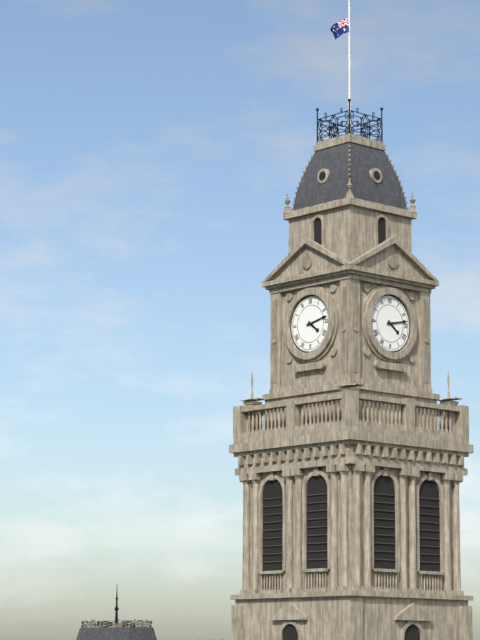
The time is 4h13
